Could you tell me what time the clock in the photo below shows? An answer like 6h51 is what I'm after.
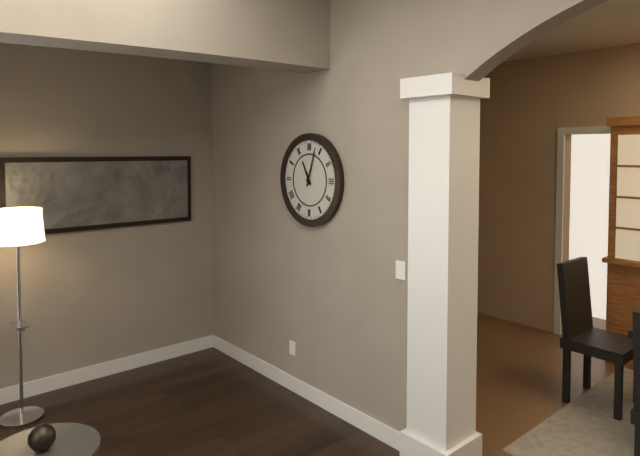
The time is 11h03
